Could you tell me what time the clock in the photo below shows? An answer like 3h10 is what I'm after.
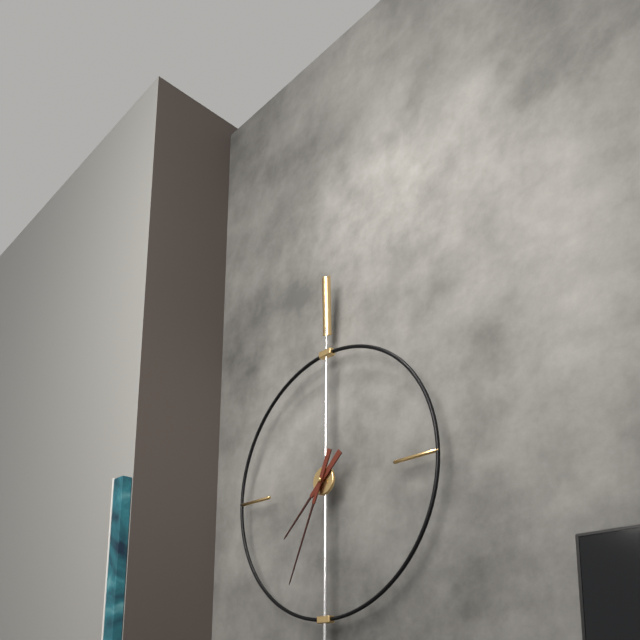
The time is 7h34
